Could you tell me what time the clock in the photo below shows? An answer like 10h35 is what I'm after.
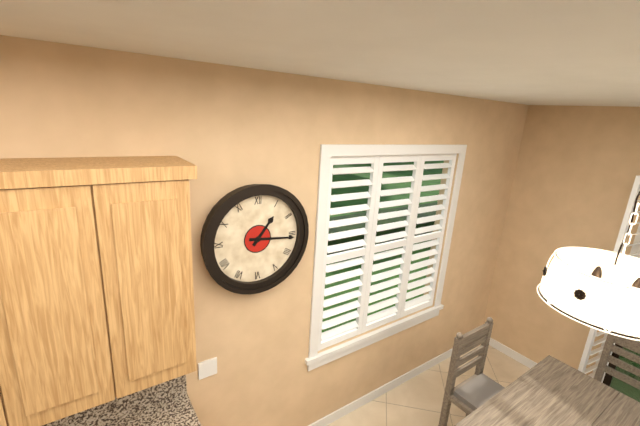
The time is 1h16
